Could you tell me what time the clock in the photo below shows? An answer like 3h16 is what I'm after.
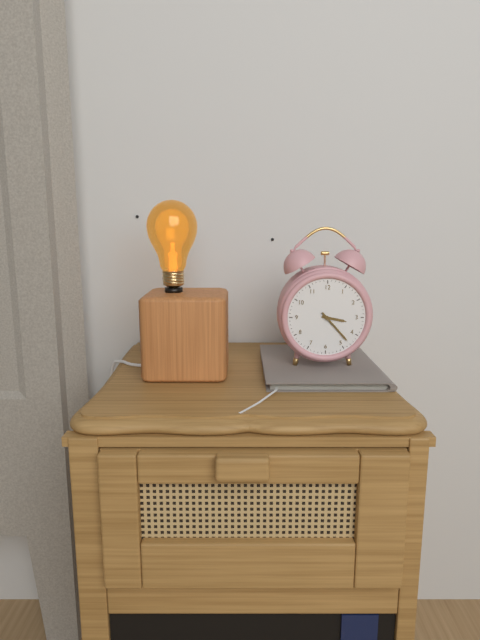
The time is 3h23
